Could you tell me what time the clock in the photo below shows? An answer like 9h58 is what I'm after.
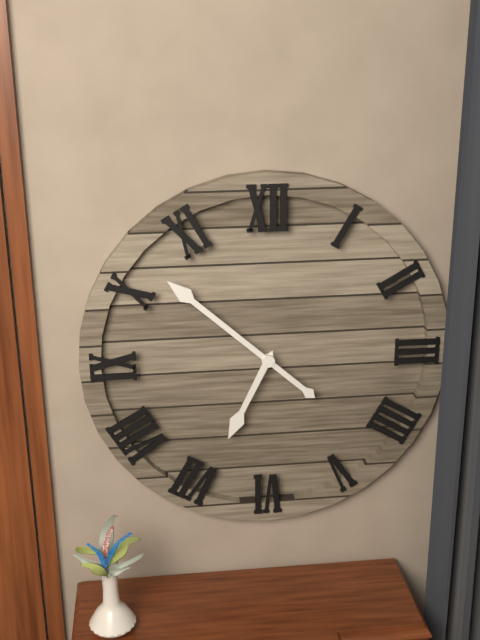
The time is 6h52
